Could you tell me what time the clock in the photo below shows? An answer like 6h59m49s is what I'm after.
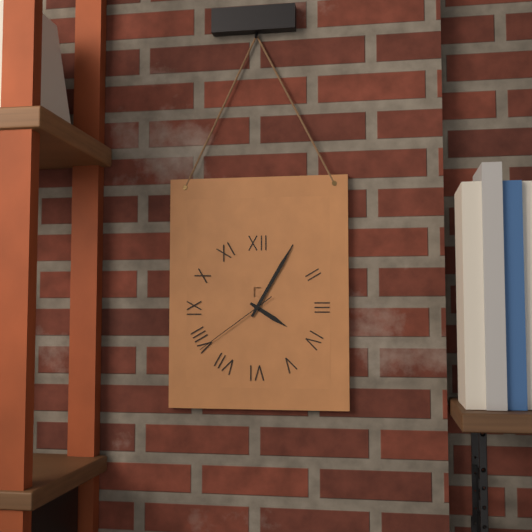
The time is 4h05m39s
